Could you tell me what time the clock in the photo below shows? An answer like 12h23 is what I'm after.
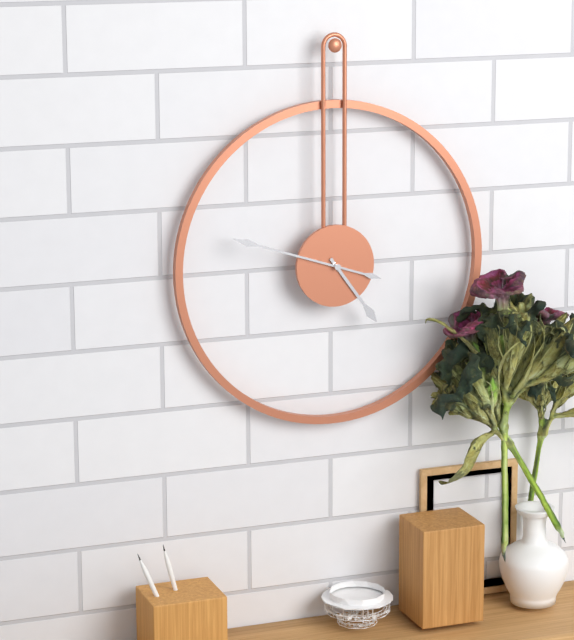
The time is 4h48
